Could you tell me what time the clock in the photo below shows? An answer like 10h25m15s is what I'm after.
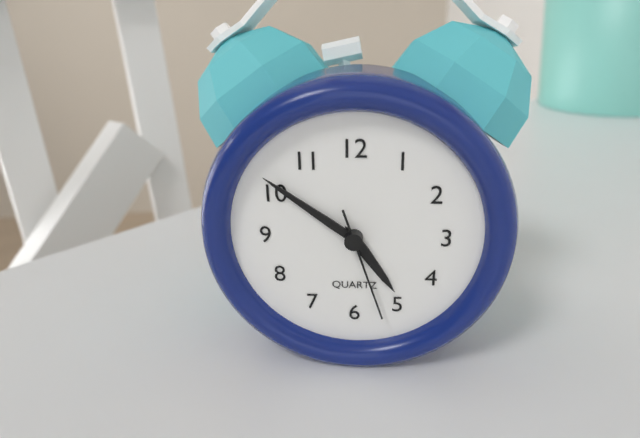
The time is 4h51m27s
